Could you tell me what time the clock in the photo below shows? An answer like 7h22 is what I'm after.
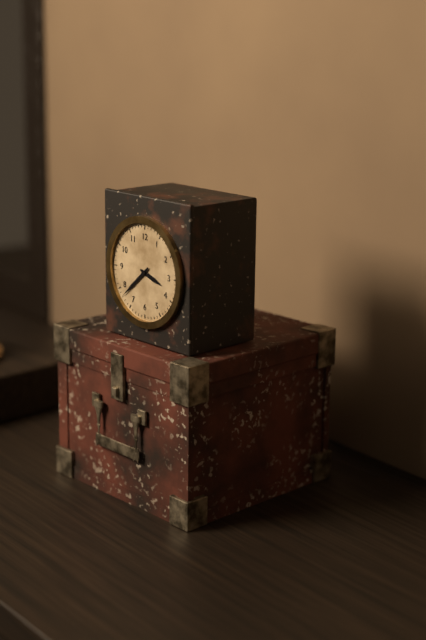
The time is 3h38
